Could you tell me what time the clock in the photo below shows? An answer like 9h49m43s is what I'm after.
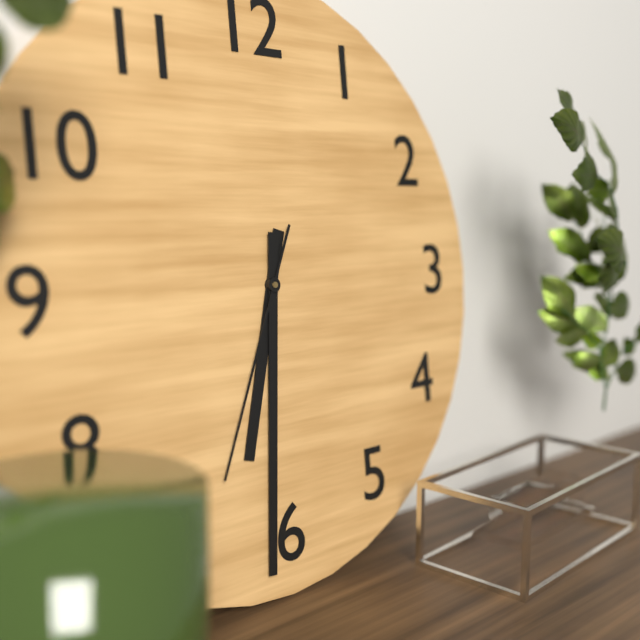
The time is 6h31m34s
